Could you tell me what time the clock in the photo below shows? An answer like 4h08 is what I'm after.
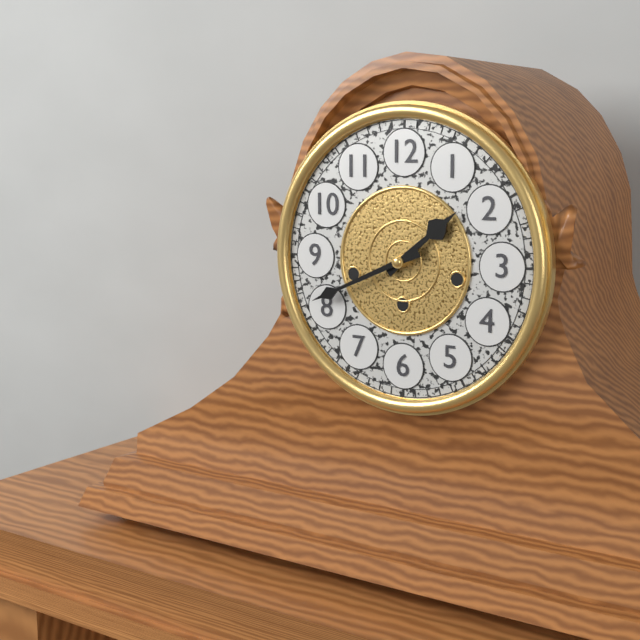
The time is 1h41
